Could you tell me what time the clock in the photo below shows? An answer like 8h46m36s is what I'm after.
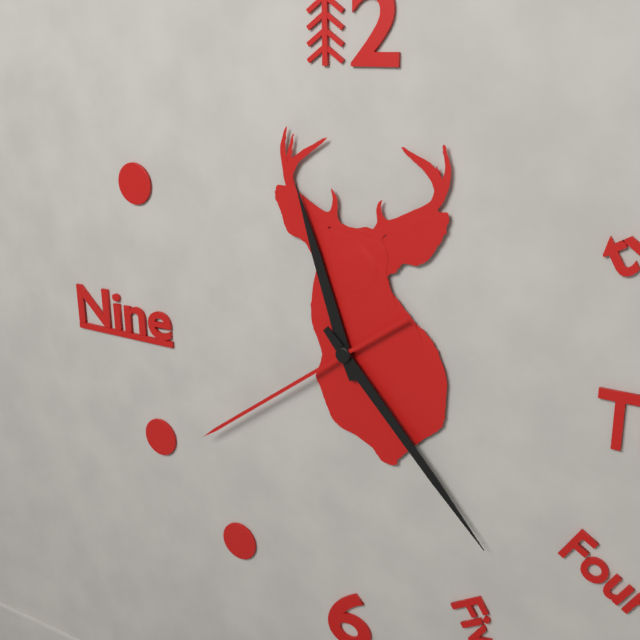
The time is 11h23m39s
